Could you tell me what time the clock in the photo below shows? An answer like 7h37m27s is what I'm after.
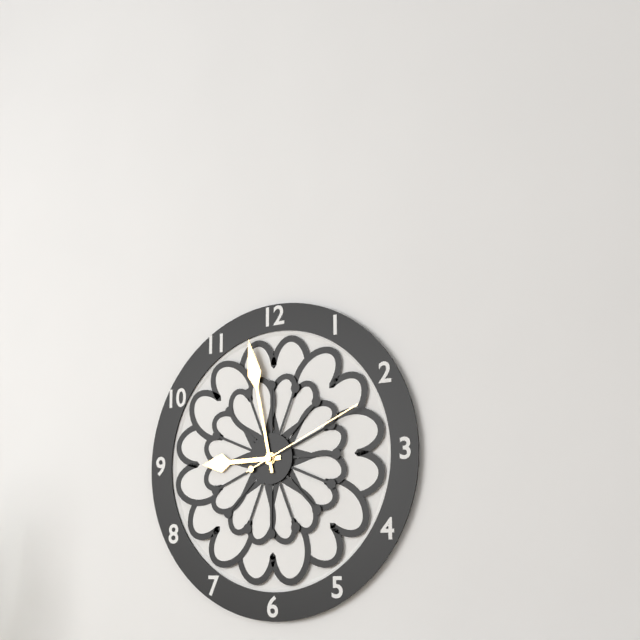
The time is 8h58m11s
